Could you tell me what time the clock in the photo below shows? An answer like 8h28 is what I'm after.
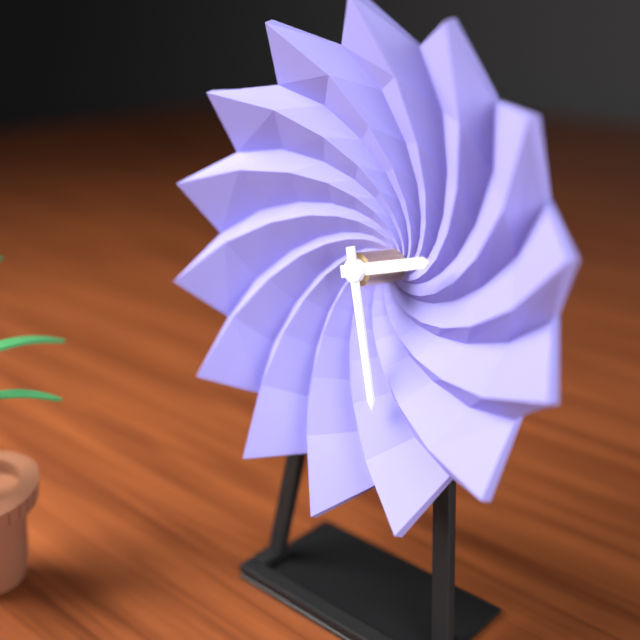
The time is 2h27
